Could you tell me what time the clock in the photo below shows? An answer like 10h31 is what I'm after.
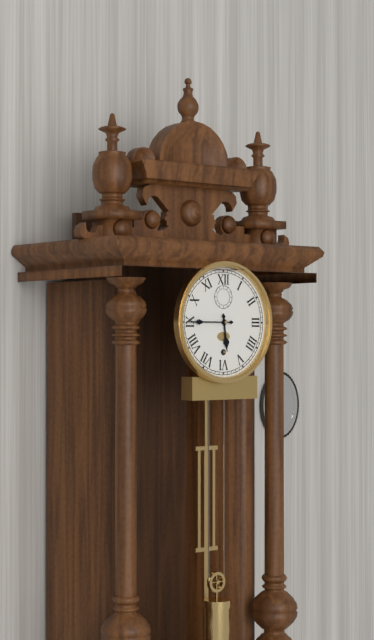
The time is 5h45
